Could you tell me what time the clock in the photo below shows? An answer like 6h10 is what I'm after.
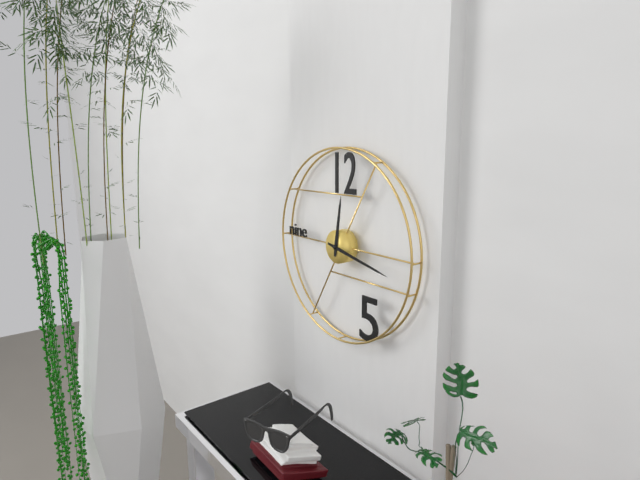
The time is 12h17
